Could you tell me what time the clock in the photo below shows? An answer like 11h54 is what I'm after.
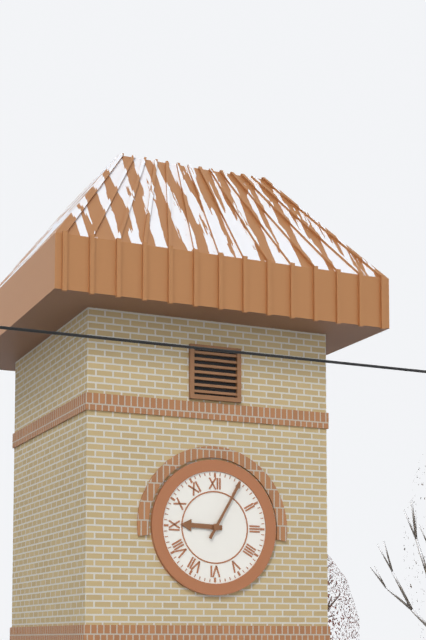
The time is 9h05
